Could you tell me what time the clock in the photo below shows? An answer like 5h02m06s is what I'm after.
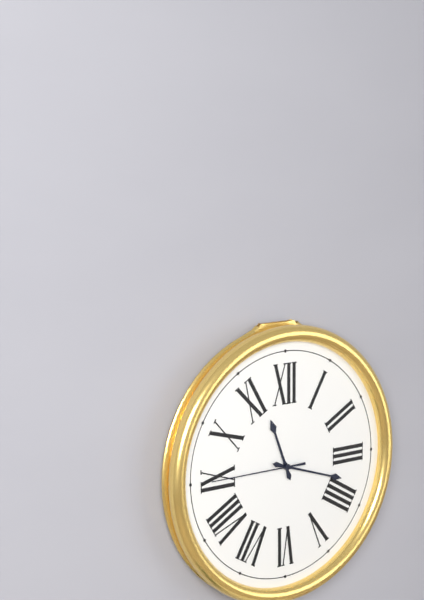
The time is 11h18m45s
